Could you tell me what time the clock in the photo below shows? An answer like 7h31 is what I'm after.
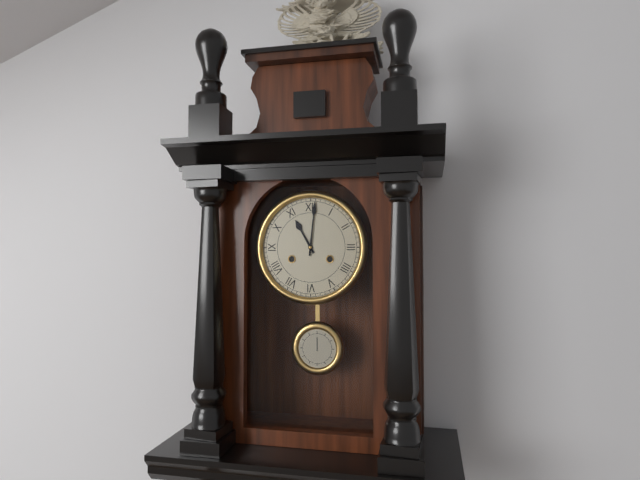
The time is 11h01
